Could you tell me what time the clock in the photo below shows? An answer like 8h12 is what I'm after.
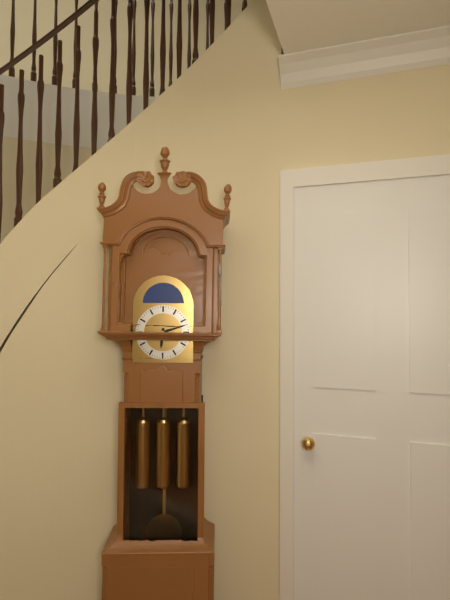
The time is 6h12
